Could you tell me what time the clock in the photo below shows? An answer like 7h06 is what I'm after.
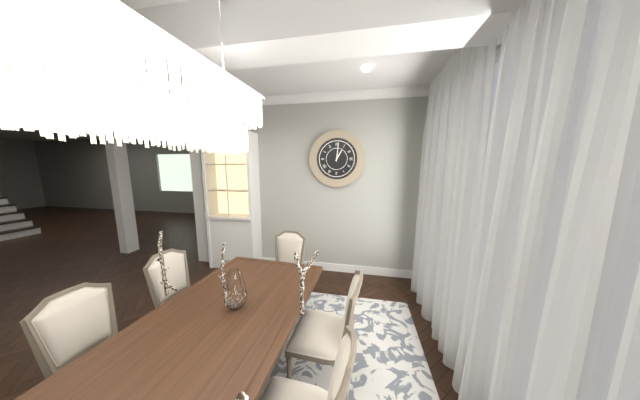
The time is 1h01
